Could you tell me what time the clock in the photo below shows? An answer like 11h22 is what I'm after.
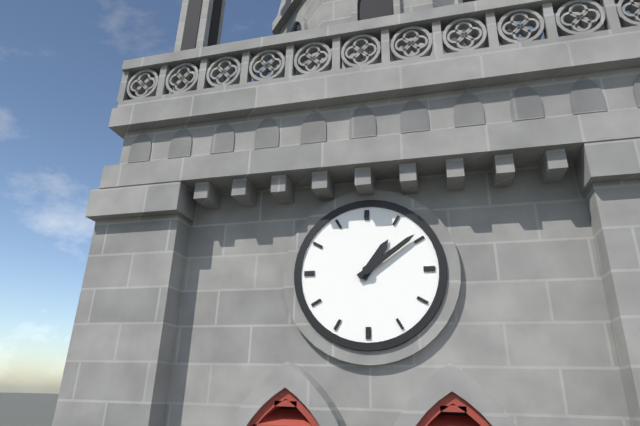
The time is 1h09
